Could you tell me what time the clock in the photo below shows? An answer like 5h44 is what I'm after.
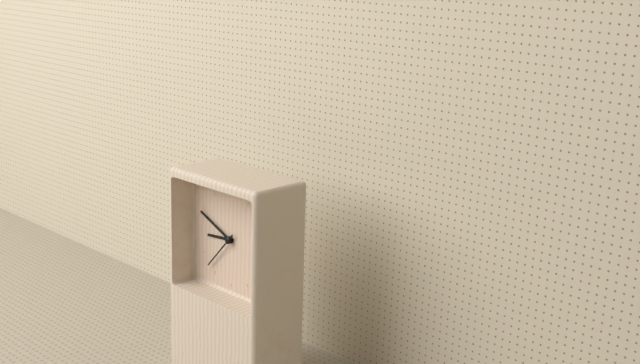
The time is 8h49
